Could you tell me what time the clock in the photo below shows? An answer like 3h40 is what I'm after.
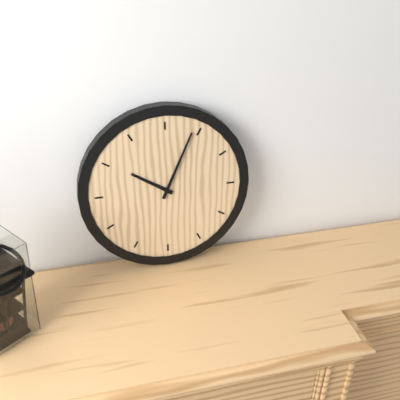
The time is 10h04
